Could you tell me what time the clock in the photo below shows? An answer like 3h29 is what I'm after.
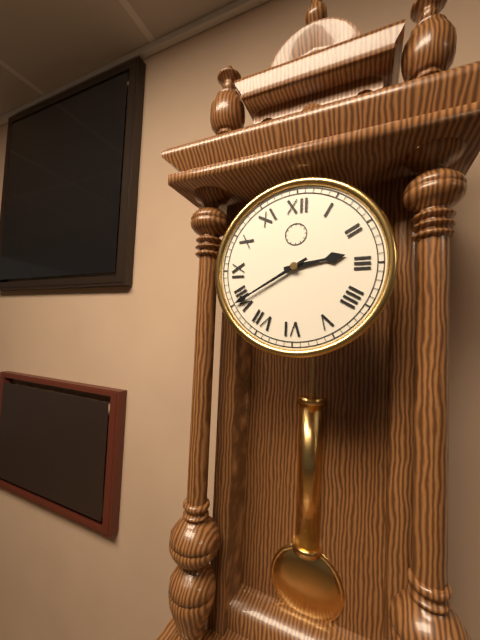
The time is 2h40
